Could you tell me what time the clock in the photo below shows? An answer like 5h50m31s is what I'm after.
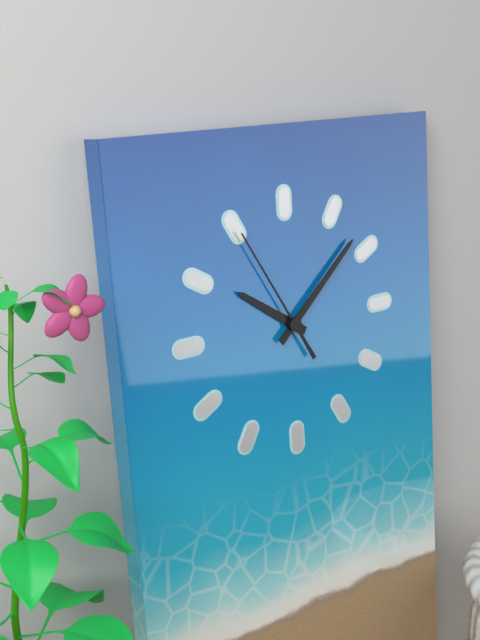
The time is 10h08m55s
